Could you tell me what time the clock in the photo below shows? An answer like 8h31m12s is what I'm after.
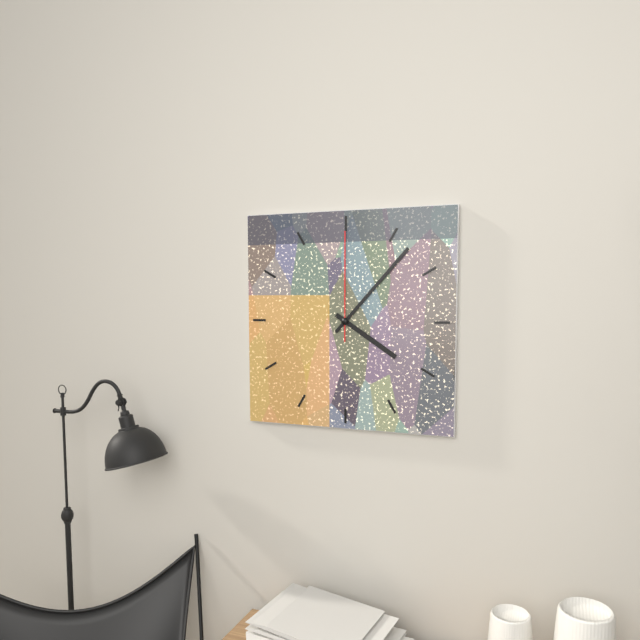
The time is 4h07m00s
